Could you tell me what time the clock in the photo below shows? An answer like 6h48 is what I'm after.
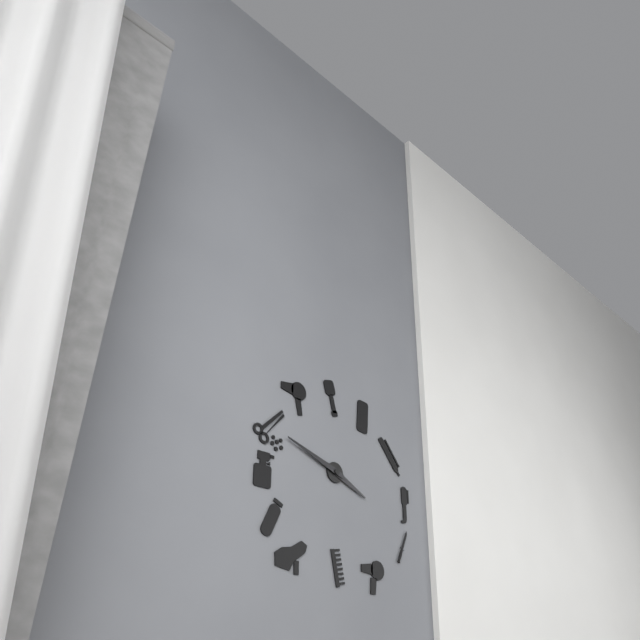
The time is 3h48
